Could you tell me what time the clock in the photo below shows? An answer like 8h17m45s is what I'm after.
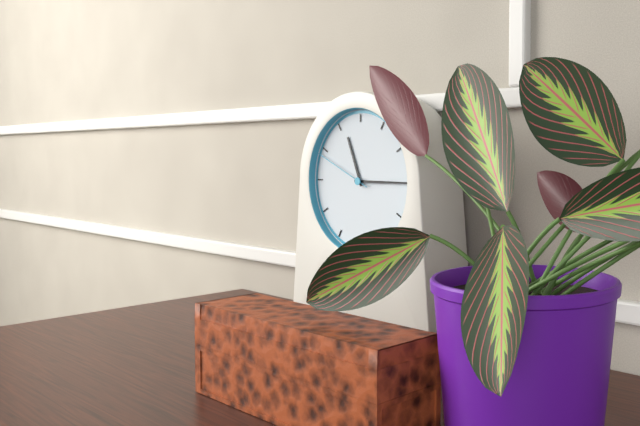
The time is 11h15m49s
